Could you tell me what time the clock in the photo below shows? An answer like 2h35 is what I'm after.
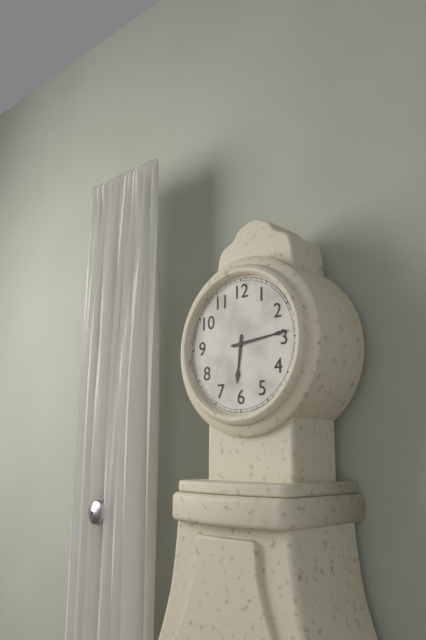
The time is 6h14
